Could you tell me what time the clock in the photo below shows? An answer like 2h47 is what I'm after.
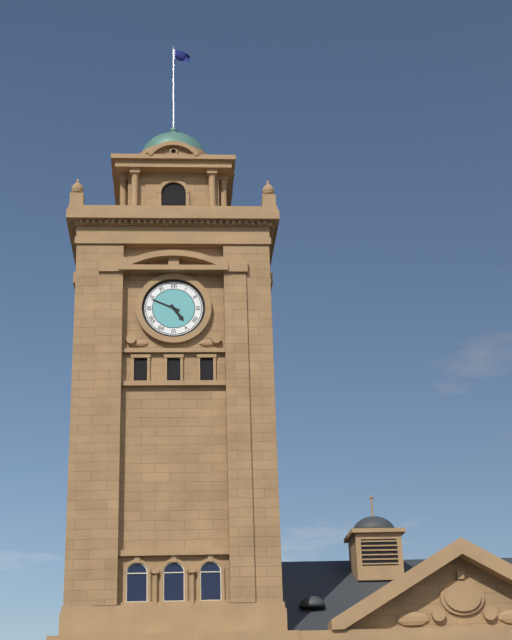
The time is 4h49
